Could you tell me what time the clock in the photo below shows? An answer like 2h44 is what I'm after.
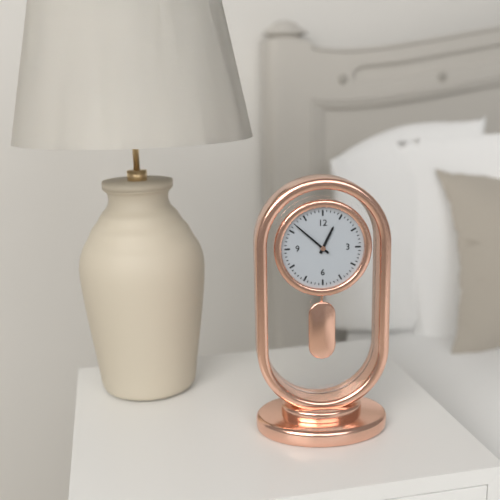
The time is 12h52
